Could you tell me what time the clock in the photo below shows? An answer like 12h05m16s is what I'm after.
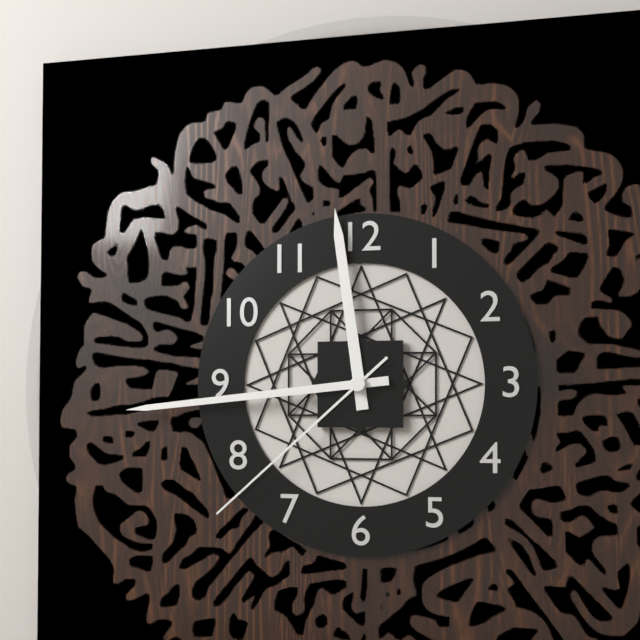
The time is 11h44m38s
